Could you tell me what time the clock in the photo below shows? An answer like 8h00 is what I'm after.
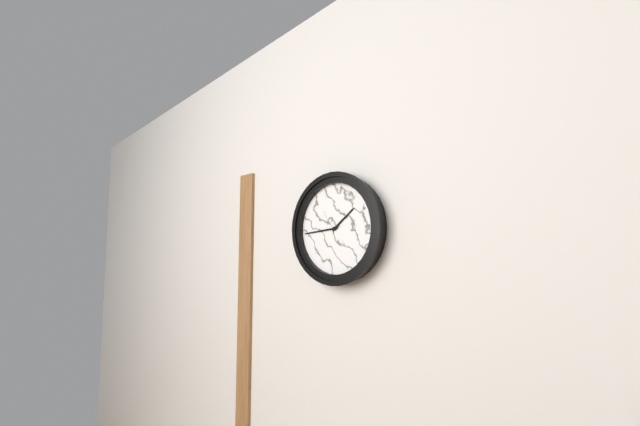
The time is 1h44
